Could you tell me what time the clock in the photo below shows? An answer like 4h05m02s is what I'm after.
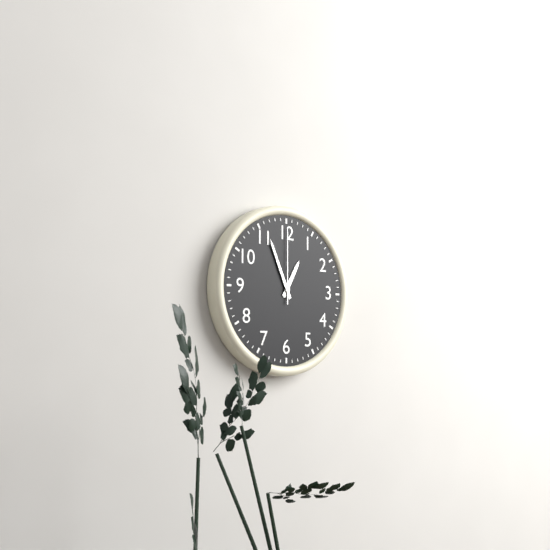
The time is 12h56m00s
